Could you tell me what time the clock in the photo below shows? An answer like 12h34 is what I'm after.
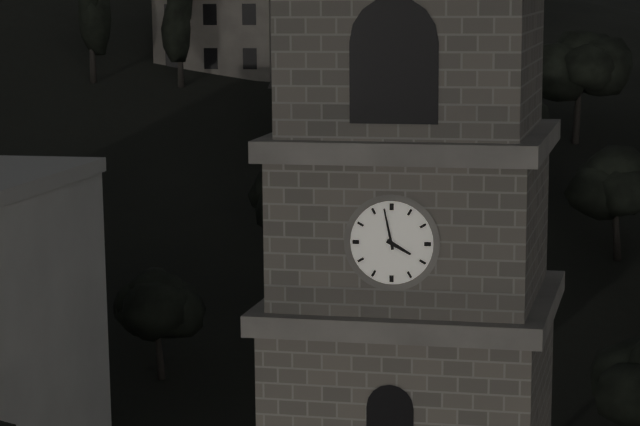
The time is 3h58
